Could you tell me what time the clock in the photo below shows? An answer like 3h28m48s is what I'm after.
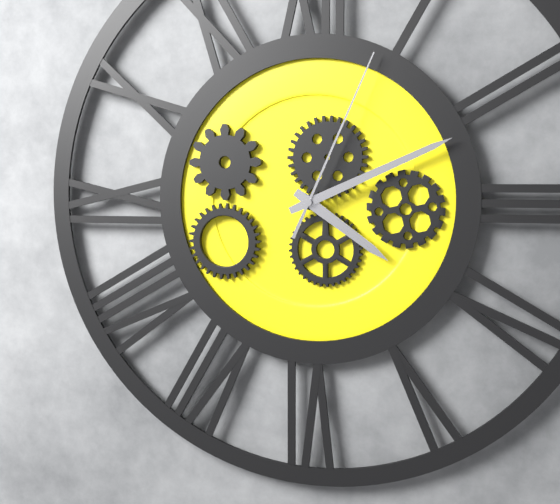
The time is 4h11m04s
